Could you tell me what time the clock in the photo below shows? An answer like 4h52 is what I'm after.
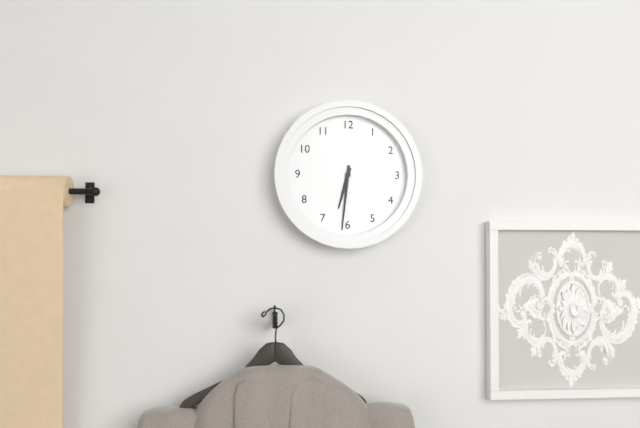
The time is 6h31
